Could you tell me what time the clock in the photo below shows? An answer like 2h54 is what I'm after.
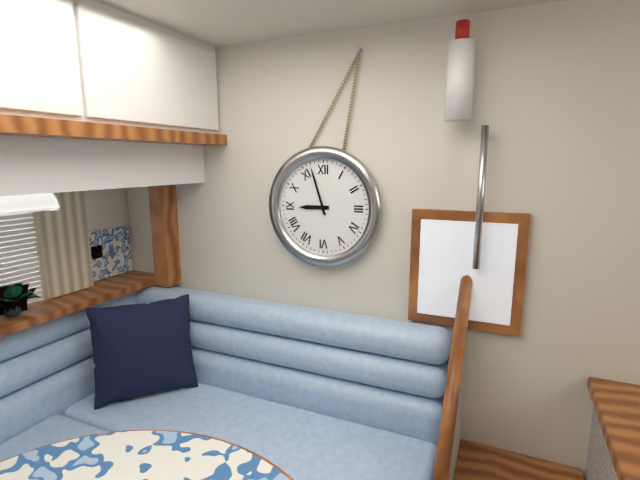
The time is 8h57
